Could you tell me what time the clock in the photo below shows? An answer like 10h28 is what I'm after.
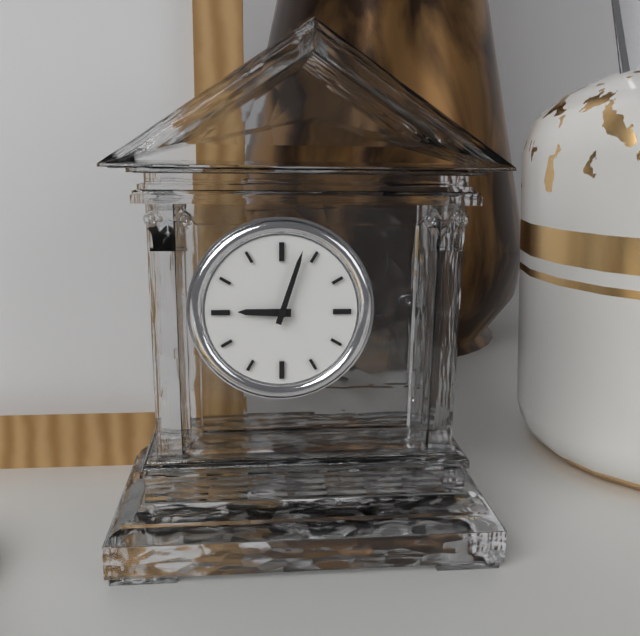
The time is 9h03
